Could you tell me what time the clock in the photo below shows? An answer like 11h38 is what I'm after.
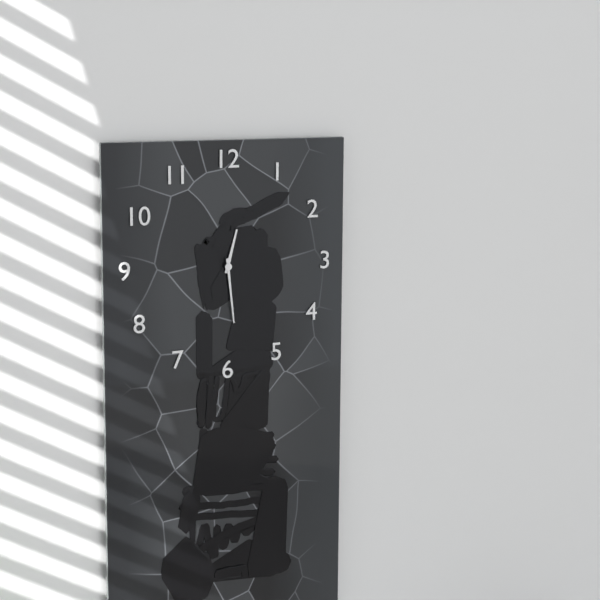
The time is 12h29
